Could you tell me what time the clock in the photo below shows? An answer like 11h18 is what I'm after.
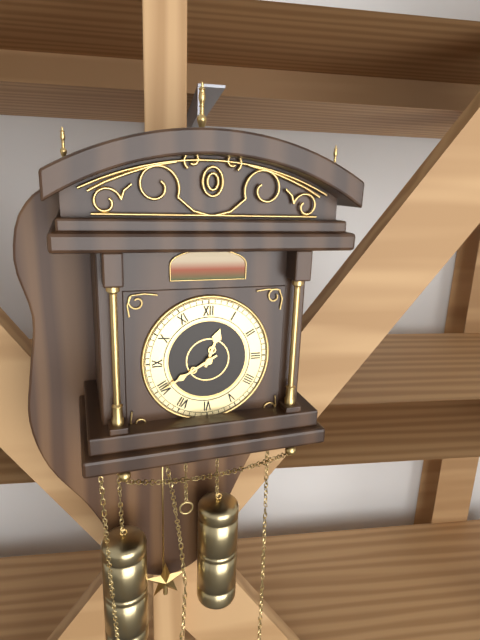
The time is 12h40
